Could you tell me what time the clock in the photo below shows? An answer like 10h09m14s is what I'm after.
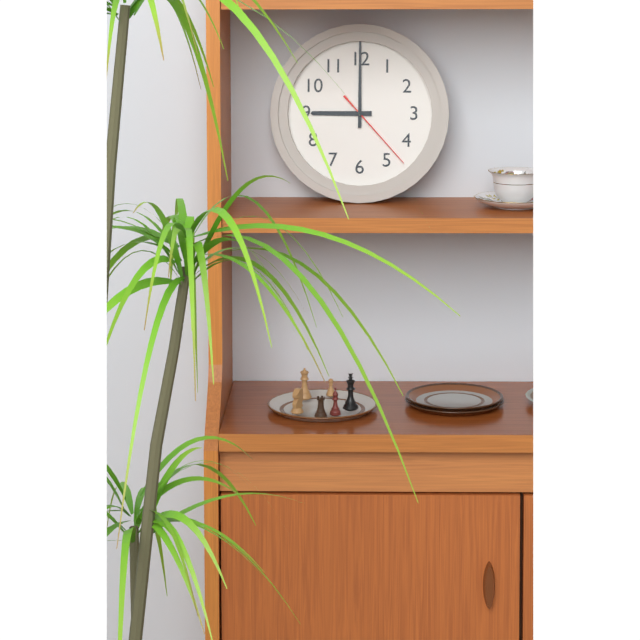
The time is 9h00m23s
